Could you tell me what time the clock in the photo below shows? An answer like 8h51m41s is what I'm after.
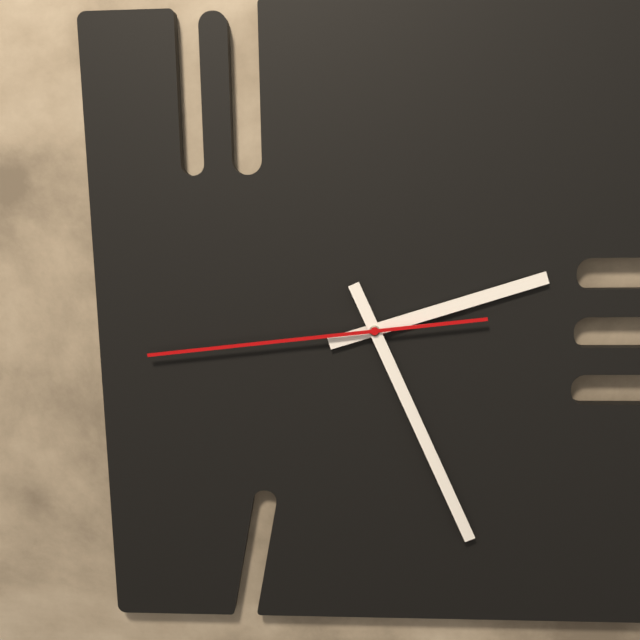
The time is 2h26m44s
